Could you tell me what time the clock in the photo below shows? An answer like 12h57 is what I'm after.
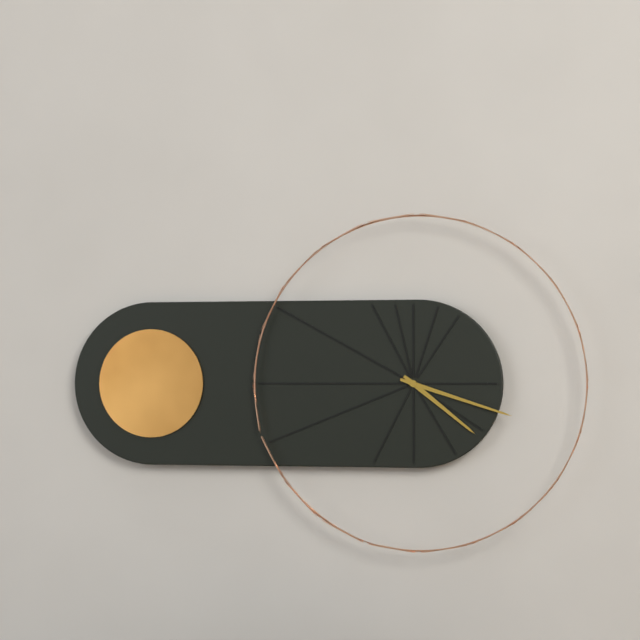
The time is 4h18
